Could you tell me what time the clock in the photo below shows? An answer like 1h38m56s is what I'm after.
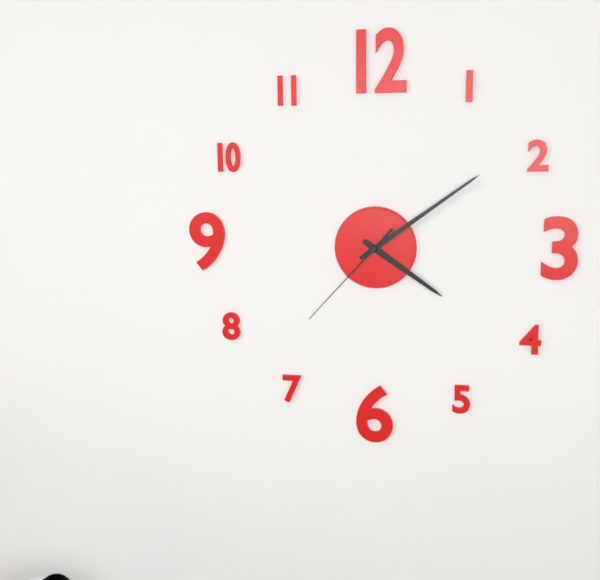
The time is 4h09m37s
